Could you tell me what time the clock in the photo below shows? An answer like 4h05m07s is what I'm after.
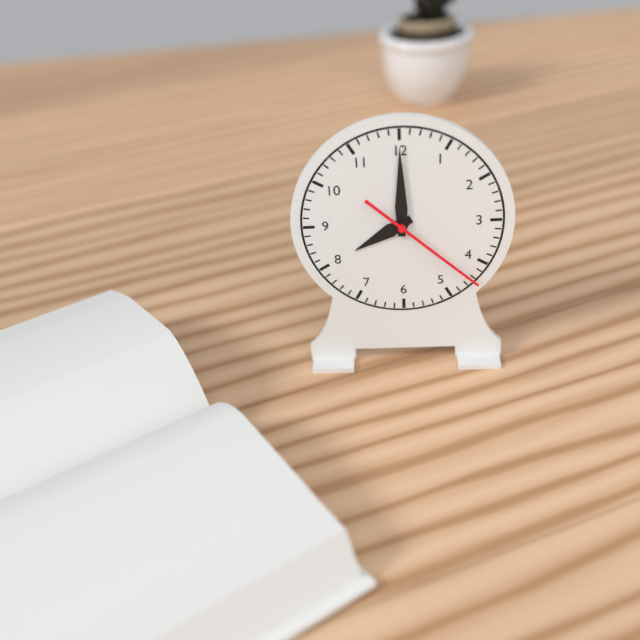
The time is 8h00m22s
